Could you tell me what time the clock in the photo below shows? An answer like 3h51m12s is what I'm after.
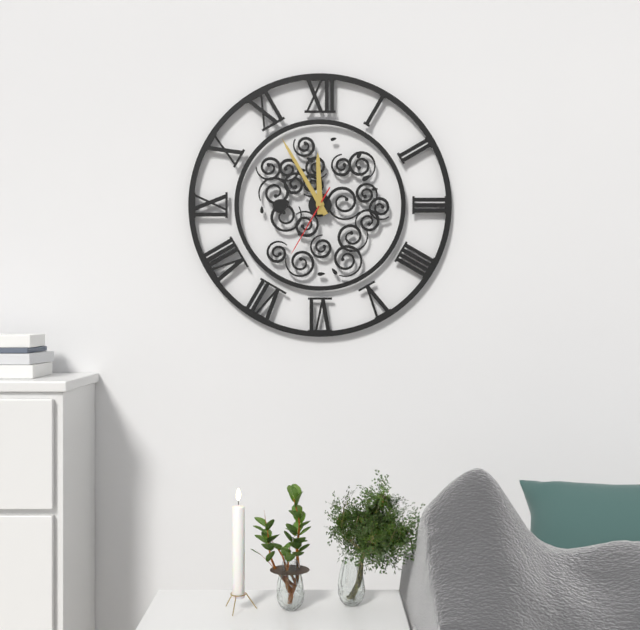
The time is 11h55m35s
